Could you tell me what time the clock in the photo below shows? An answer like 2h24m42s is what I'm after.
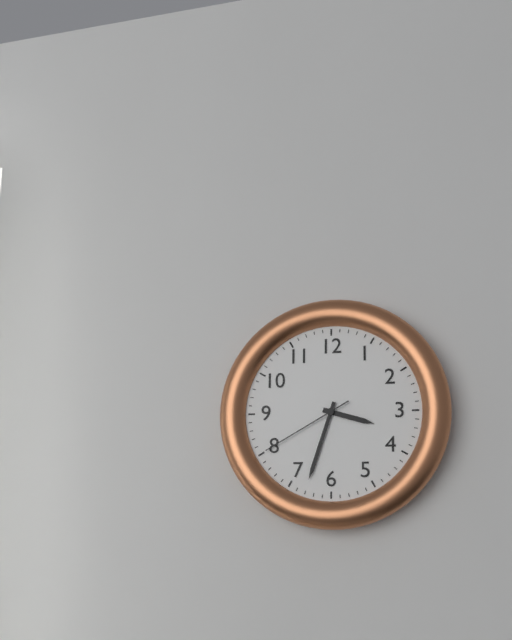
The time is 3h33m40s
